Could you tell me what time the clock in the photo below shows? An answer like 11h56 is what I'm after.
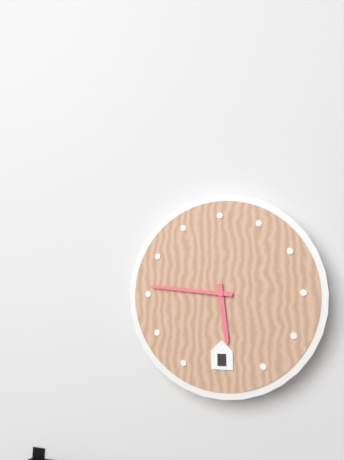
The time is 5h46
